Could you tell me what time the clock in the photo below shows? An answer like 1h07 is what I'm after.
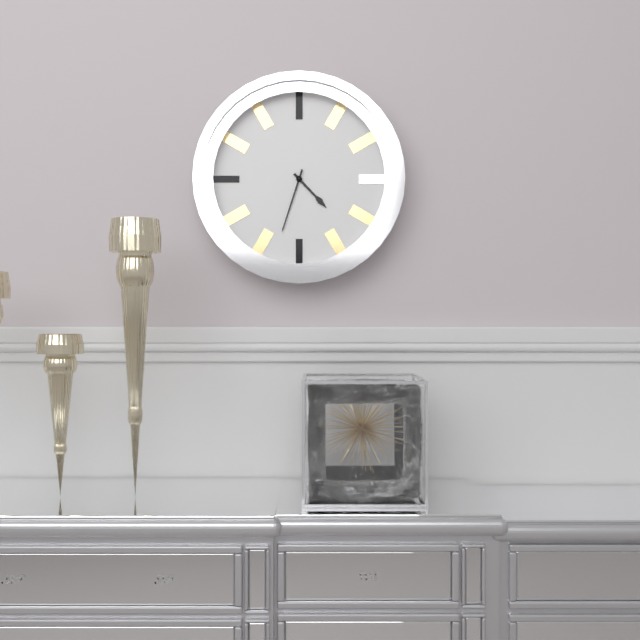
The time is 4h33
